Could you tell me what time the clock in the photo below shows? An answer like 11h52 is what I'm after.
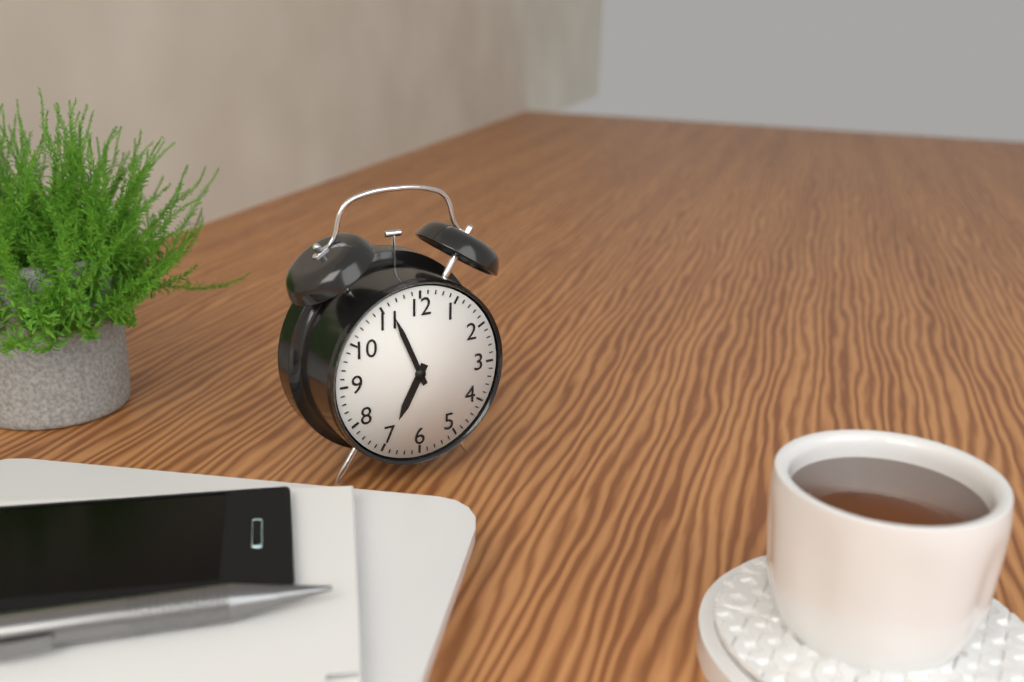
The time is 6h56
